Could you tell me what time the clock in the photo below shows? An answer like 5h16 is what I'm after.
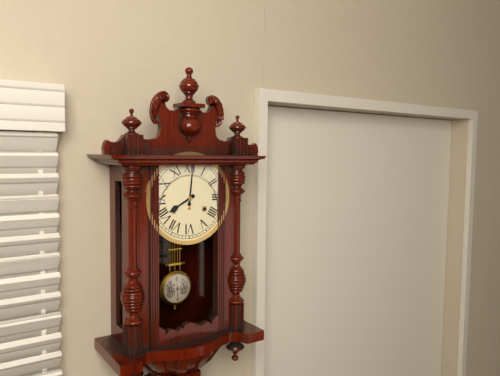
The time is 8h01
